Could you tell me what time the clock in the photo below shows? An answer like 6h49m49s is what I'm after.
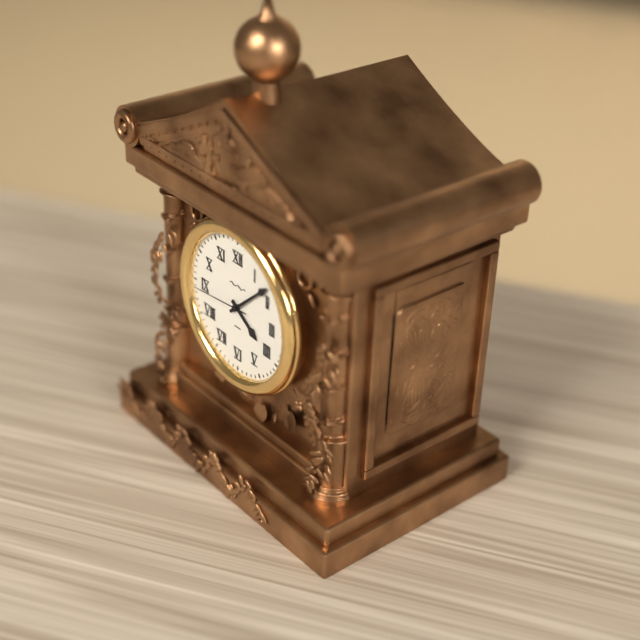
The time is 4h08m44s
